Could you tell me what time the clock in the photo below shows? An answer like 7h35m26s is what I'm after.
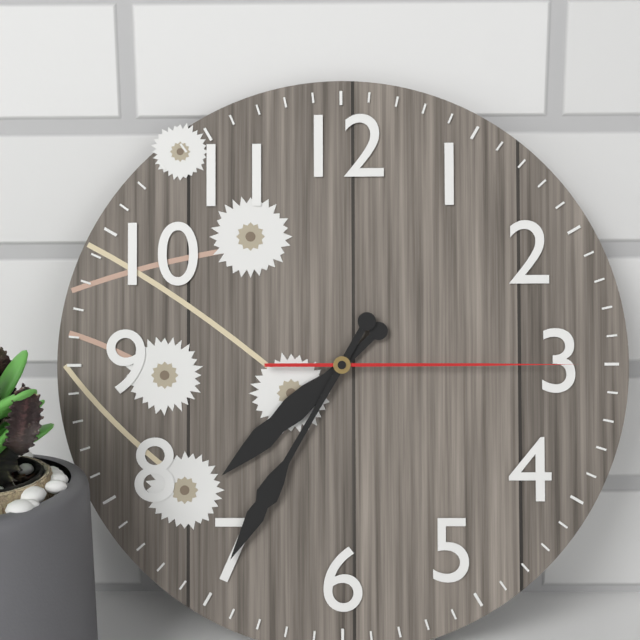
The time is 7h35m15s
